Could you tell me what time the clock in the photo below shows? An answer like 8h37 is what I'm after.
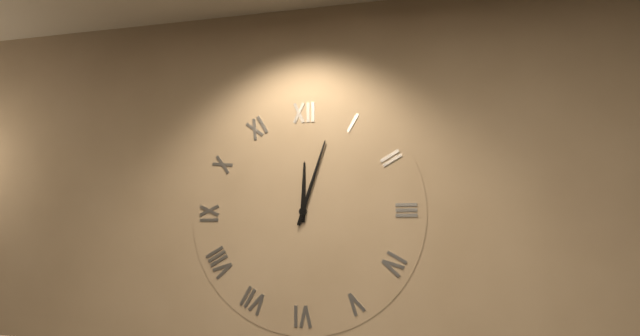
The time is 12h03
